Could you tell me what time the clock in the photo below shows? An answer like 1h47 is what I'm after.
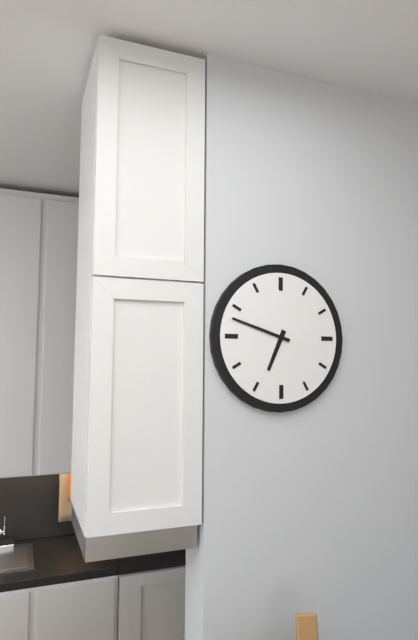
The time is 6h48
